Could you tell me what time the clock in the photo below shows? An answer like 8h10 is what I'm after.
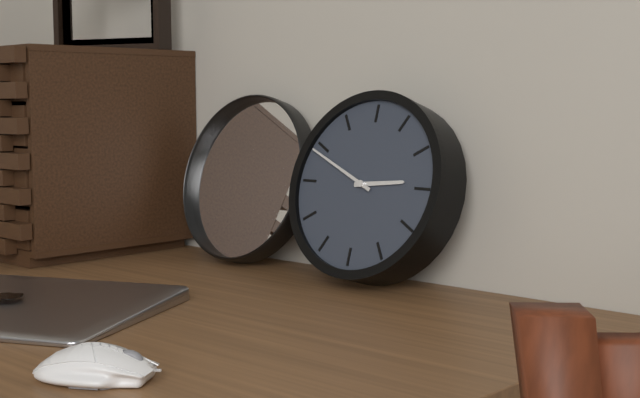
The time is 2h49
